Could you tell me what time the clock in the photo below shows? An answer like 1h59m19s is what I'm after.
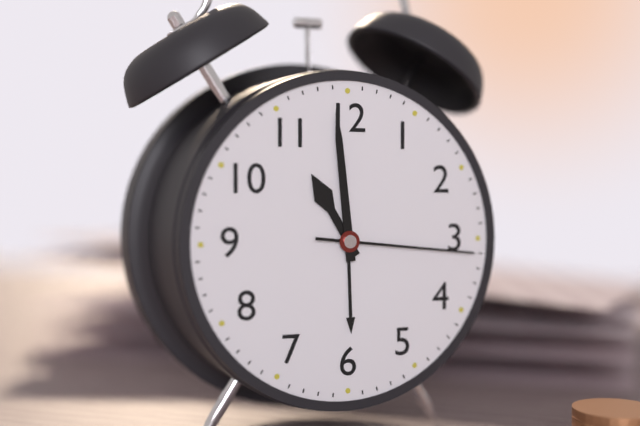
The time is 10h59m16s
